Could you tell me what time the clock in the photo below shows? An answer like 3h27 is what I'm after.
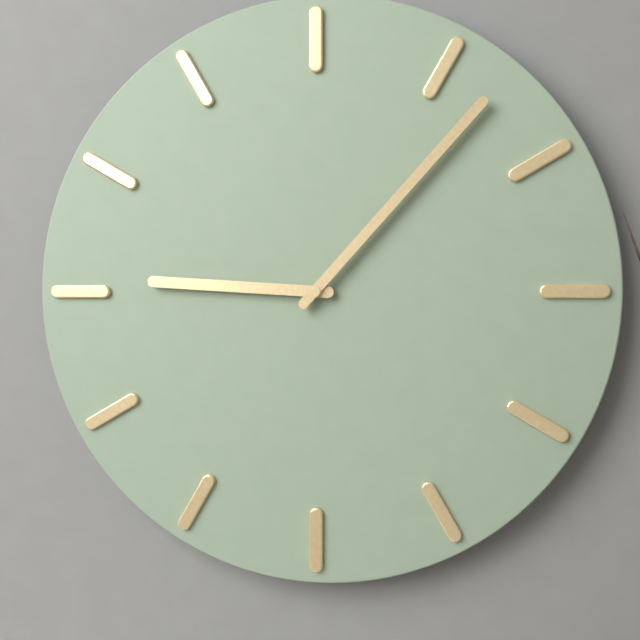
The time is 9h07
